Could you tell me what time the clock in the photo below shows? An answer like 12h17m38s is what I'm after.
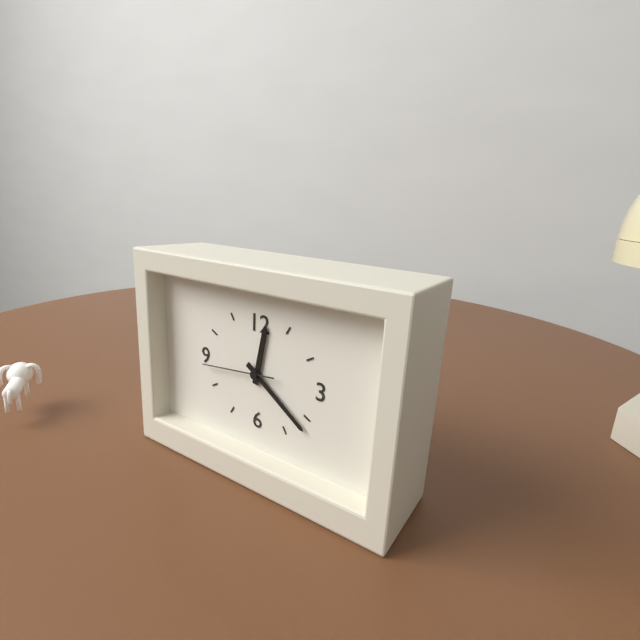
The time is 12h21m44s
